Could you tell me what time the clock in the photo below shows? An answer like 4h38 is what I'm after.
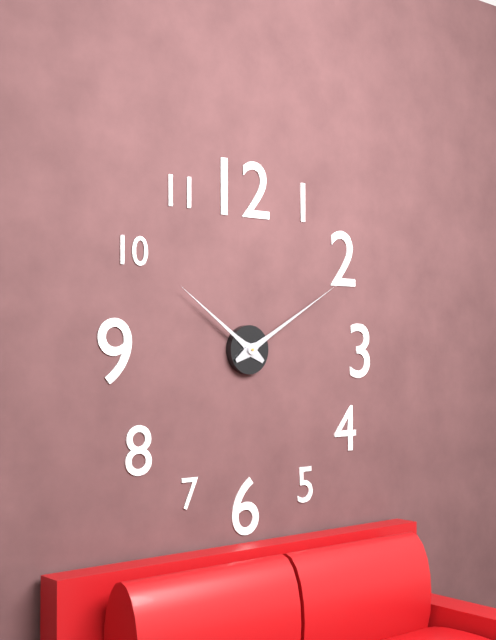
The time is 10h10
